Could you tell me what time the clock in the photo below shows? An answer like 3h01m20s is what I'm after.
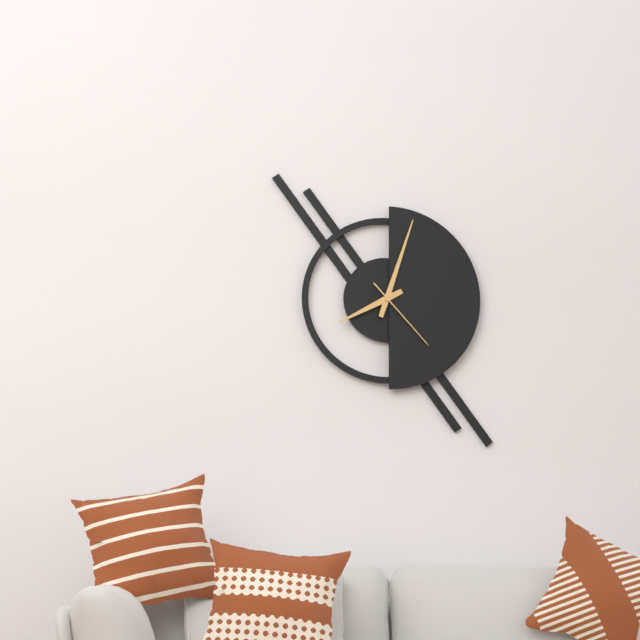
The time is 8h03m23s
